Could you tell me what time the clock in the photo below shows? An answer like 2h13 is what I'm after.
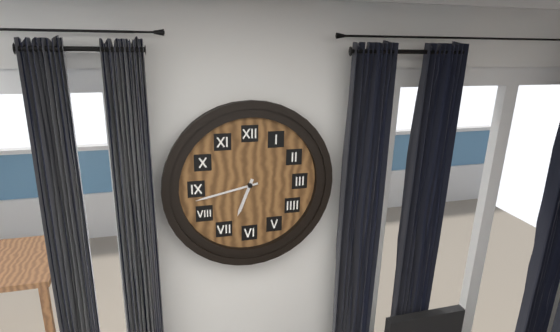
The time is 6h43
